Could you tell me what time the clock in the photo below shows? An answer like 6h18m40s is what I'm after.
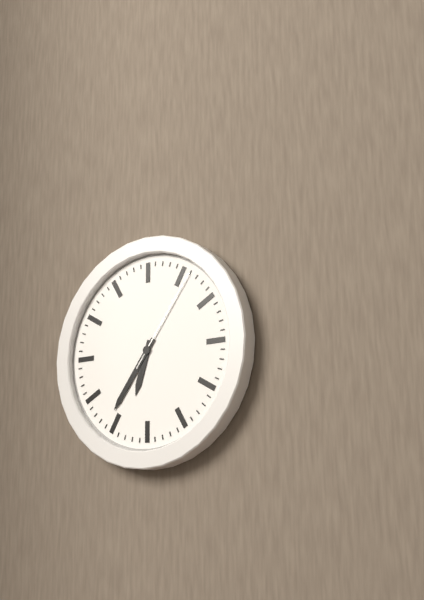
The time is 6h36m06s
